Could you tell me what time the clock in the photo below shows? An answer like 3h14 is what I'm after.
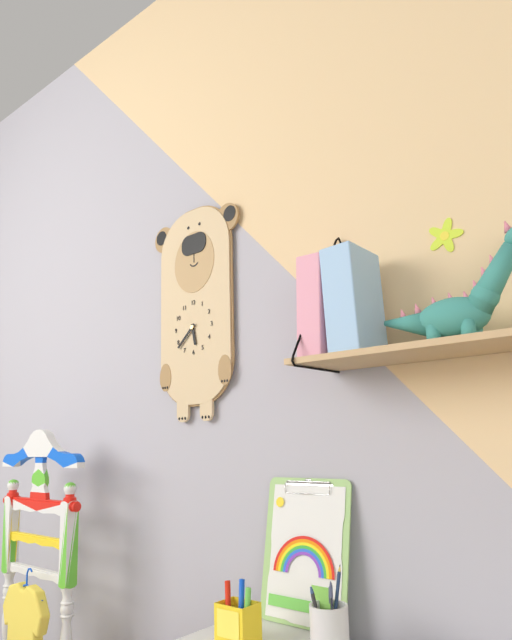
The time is 5h38
